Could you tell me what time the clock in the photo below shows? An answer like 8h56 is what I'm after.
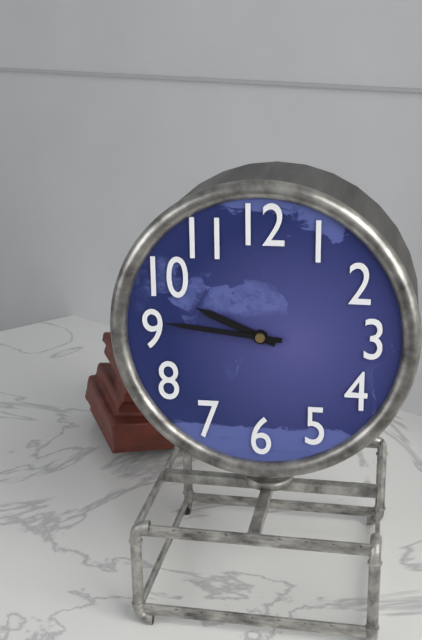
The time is 9h46
